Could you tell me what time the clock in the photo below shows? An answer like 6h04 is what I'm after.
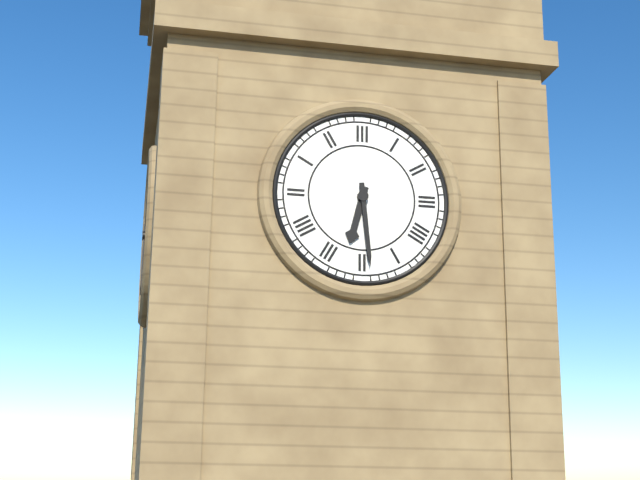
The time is 6h29
